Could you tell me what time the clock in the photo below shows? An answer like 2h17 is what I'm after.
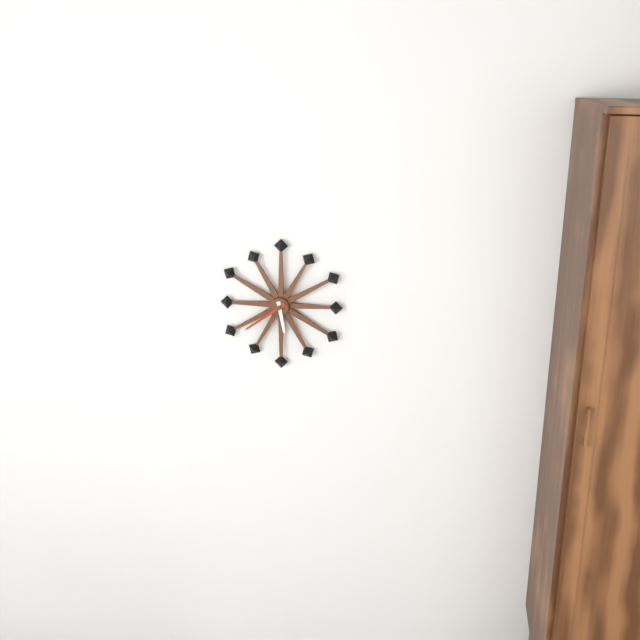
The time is 5h39
